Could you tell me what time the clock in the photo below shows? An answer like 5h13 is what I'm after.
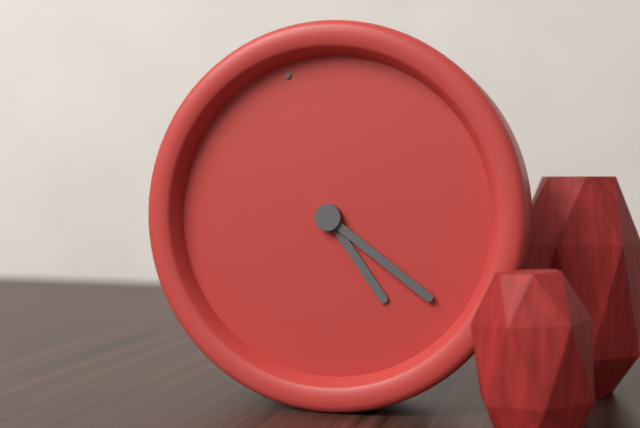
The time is 5h24
